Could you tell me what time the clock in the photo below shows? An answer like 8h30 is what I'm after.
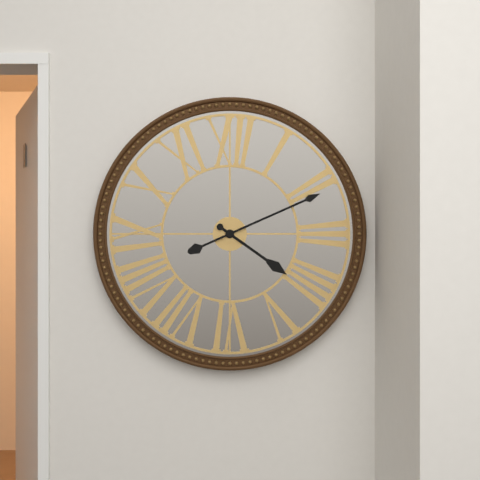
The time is 4h11
